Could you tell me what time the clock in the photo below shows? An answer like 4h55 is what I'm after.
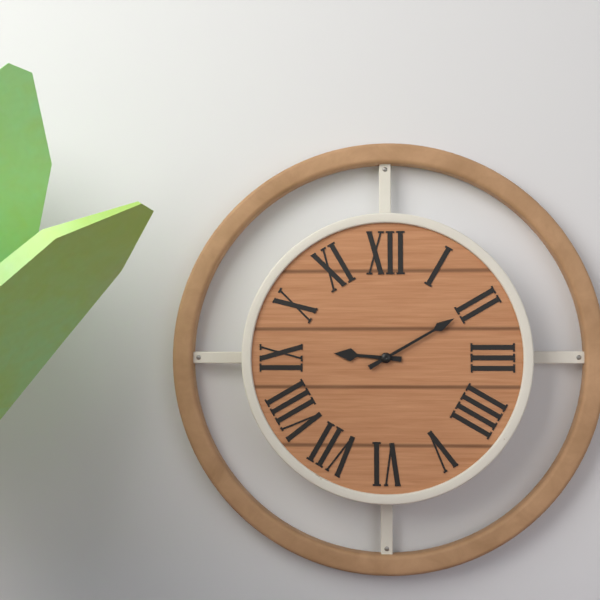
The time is 9h10
